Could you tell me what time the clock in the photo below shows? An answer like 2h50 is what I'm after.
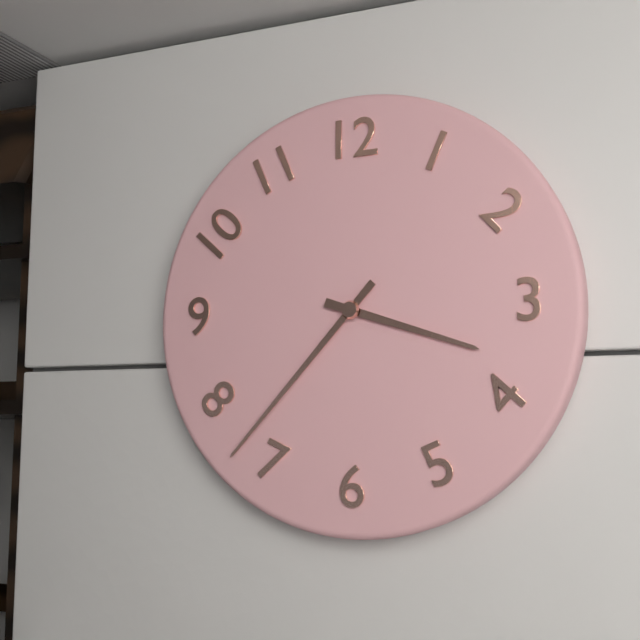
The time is 3h37
